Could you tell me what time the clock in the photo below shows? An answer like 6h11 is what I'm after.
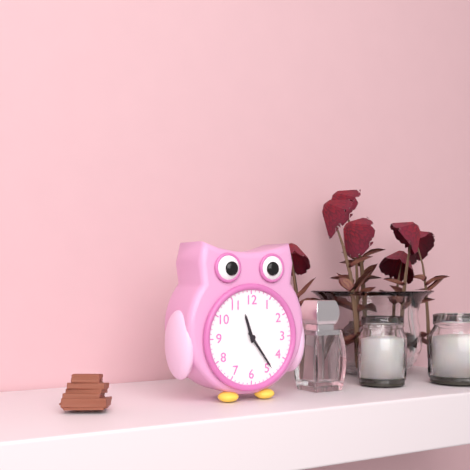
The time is 11h24
